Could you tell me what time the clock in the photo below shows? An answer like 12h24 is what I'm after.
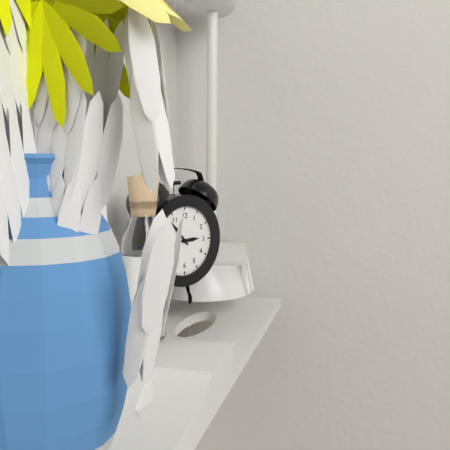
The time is 2h53
